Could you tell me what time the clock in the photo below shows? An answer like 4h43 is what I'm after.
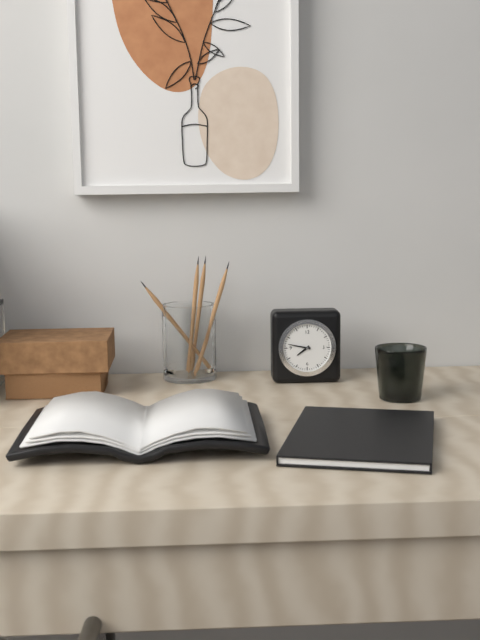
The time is 7h47
